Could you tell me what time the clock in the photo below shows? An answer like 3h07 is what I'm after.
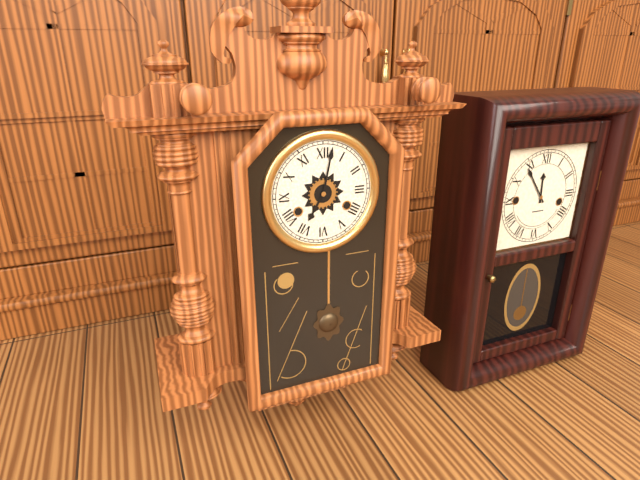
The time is 7h02
